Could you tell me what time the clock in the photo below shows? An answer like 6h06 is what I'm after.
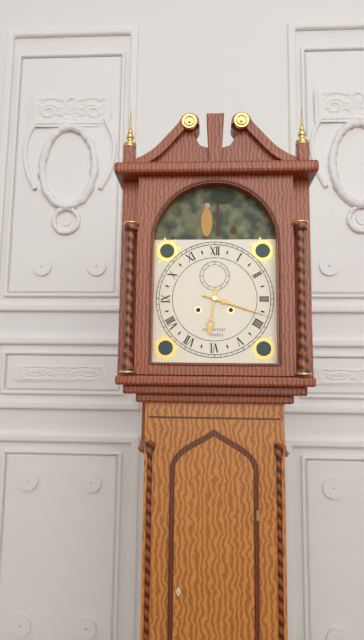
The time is 6h18
